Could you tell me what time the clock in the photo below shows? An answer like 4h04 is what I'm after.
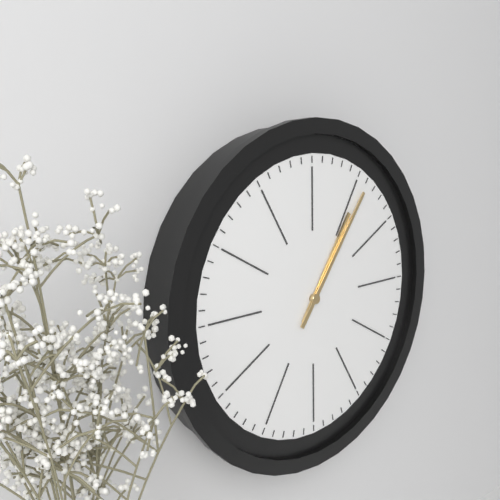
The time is 1h06
